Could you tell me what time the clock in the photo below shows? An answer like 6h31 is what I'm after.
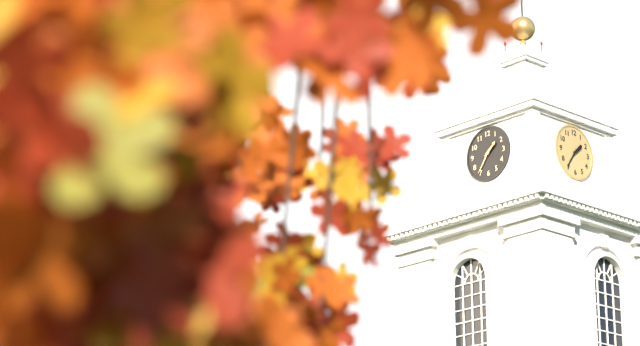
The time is 1h36
